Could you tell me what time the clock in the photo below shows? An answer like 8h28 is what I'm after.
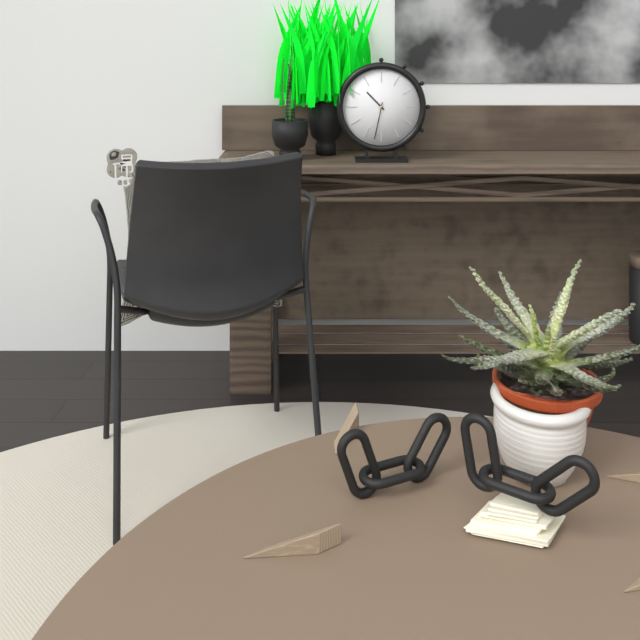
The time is 10h32
